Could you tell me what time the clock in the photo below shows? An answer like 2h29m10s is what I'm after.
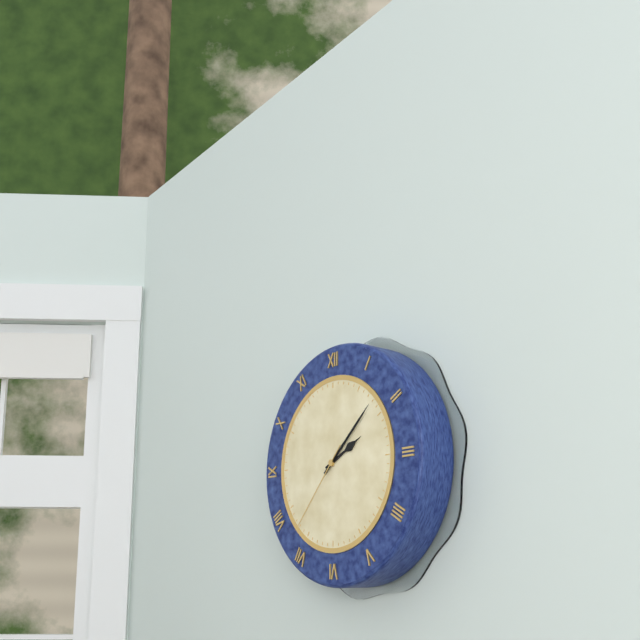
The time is 2h08m37s
